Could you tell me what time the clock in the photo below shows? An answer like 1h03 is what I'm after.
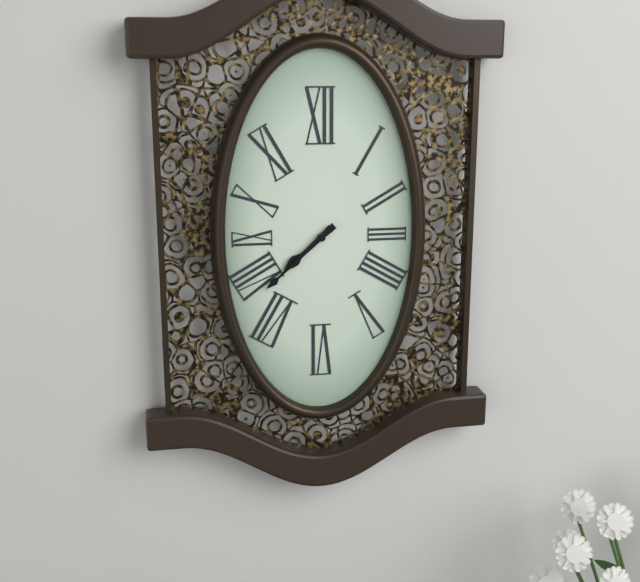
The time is 7h38
